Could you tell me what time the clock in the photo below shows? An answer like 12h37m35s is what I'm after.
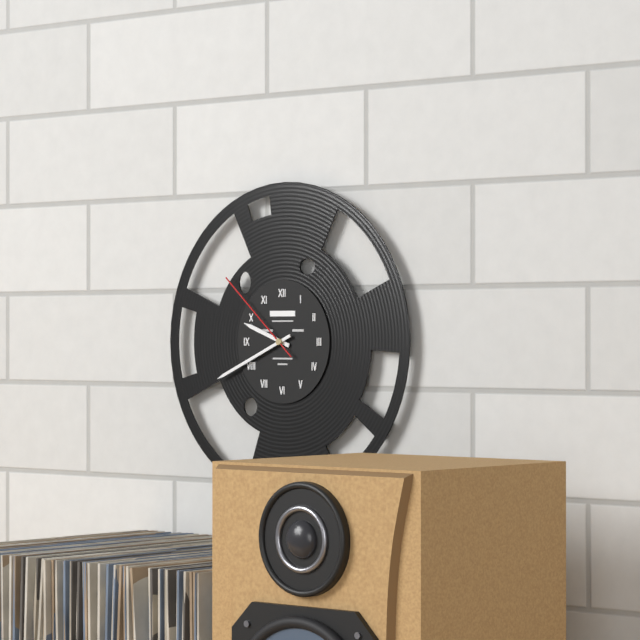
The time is 9h41m52s
